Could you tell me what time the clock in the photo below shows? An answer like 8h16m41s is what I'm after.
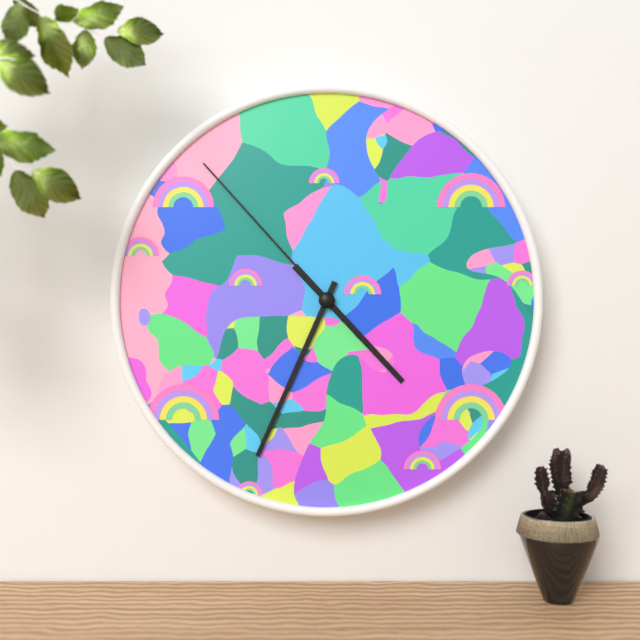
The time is 4h34m53s
